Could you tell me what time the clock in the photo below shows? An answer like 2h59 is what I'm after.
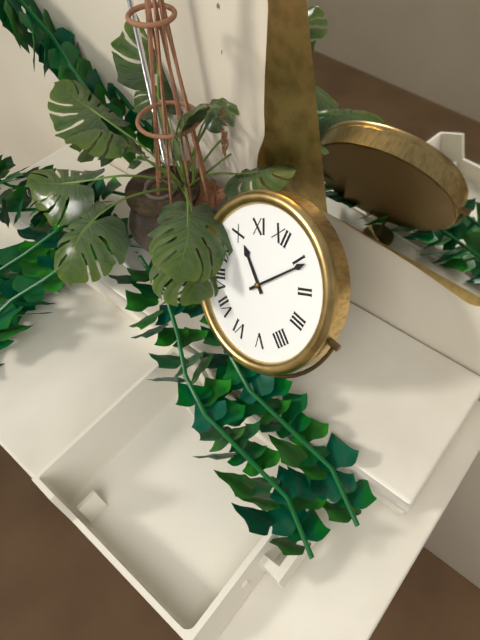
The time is 10h06
